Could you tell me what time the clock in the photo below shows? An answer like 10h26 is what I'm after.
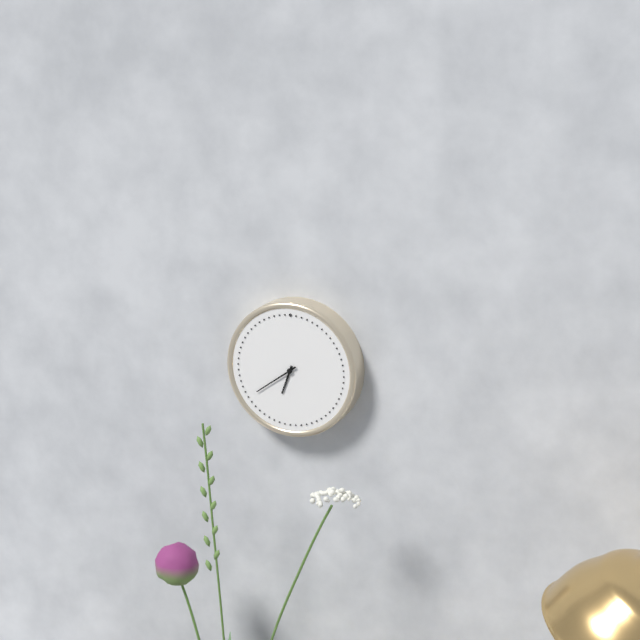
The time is 6h39
